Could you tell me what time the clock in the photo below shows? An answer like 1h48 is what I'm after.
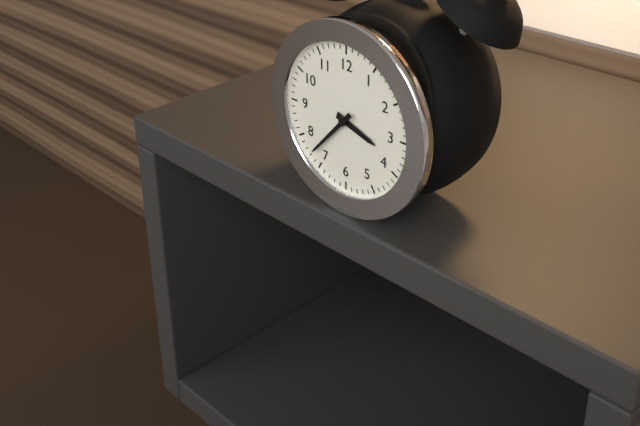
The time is 3h37
